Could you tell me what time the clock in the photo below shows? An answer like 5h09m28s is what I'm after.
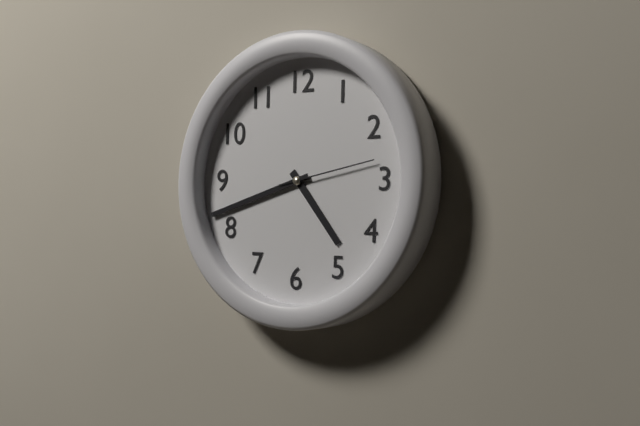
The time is 4h42m13s
